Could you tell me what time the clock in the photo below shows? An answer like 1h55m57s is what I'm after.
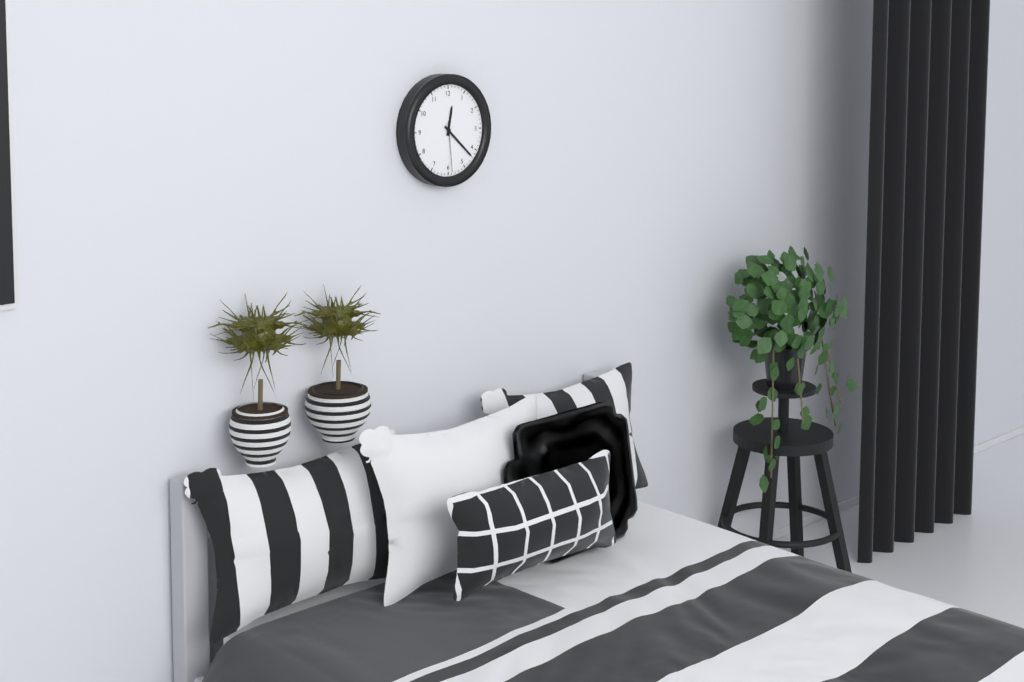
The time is 12h22m29s
